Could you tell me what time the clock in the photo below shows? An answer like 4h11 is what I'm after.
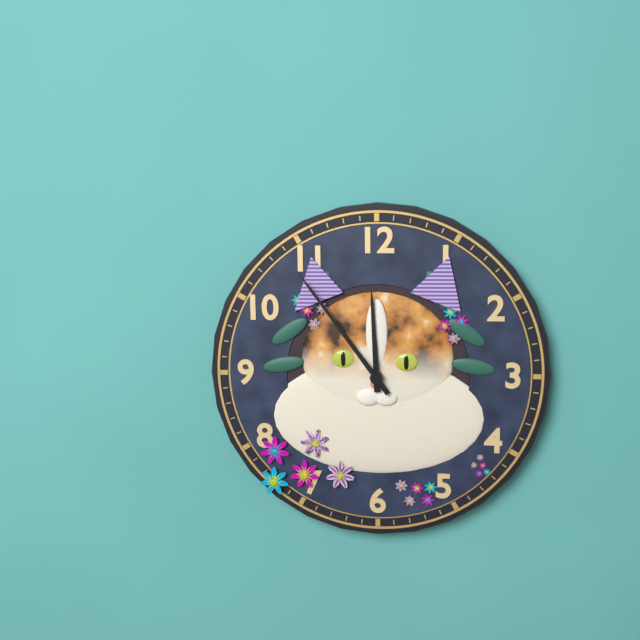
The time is 11h54
